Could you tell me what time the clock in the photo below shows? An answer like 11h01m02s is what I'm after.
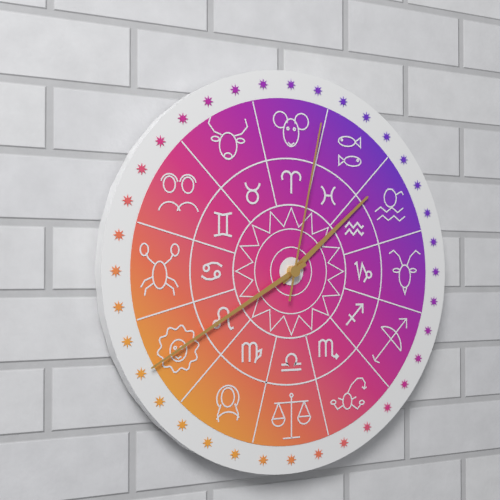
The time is 1h40m02s
